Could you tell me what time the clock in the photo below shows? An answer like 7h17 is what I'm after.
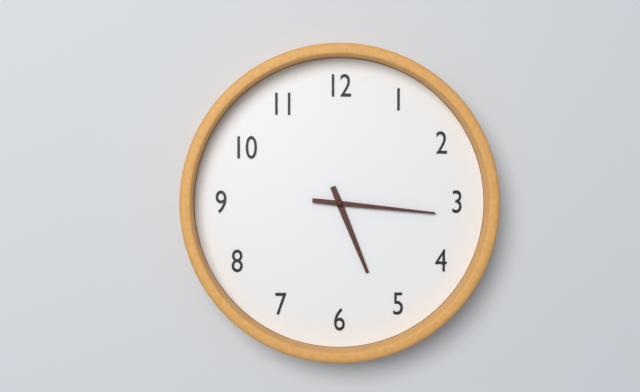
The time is 5h16
